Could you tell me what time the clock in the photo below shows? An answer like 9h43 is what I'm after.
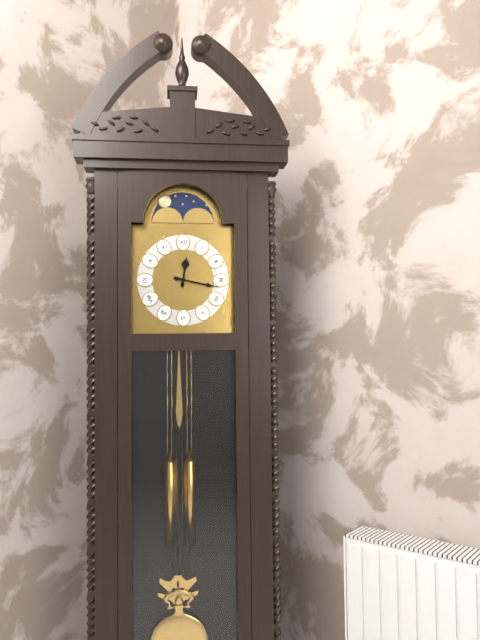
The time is 12h17
